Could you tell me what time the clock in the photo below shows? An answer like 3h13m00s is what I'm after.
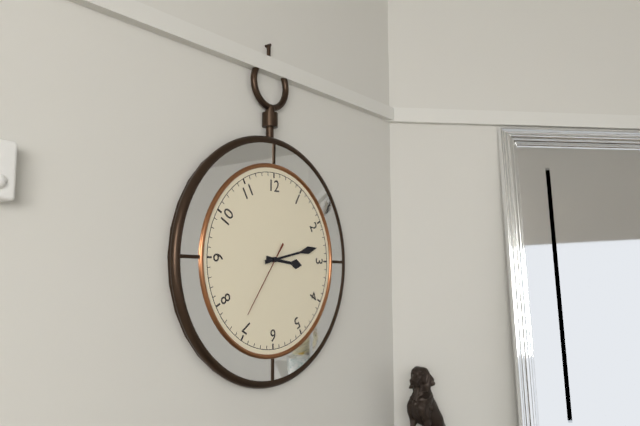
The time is 3h13m36s
